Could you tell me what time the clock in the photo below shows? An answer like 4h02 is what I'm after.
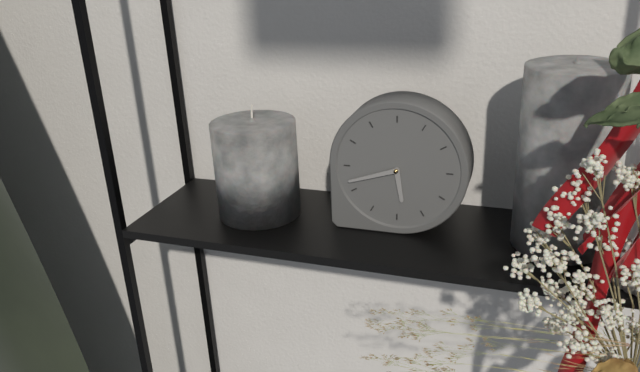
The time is 5h42
